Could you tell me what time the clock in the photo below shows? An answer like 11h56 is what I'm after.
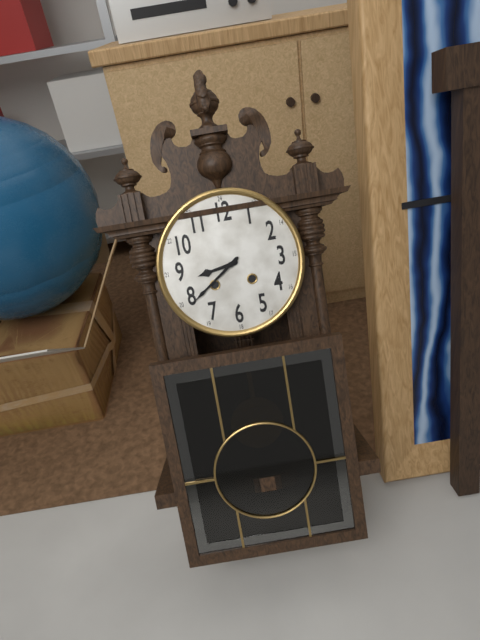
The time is 8h39
